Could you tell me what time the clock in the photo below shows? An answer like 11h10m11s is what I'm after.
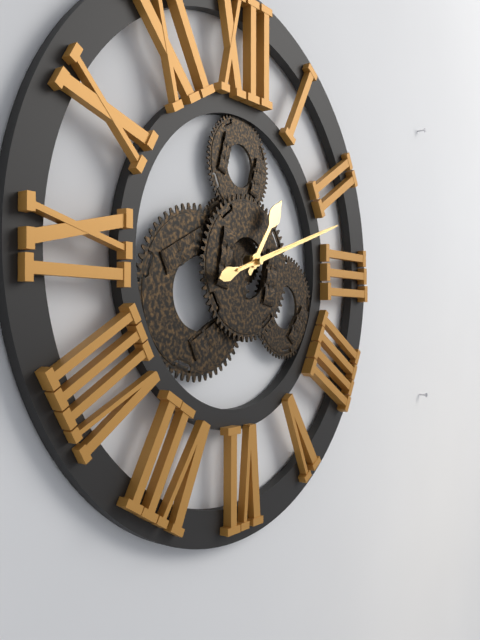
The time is 1h12m12s
